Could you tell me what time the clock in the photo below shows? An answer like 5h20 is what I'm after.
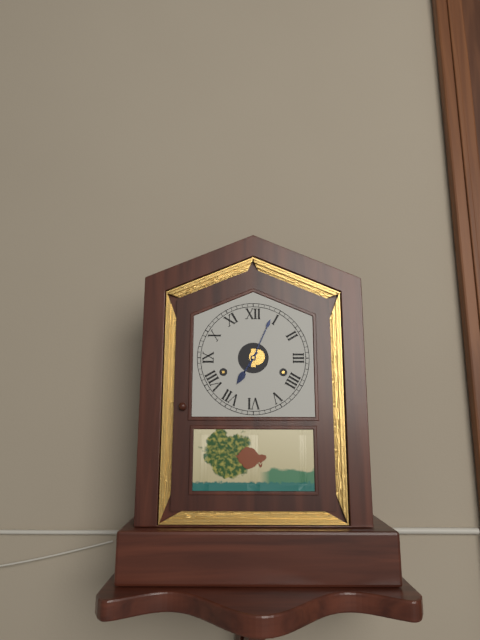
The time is 7h04
